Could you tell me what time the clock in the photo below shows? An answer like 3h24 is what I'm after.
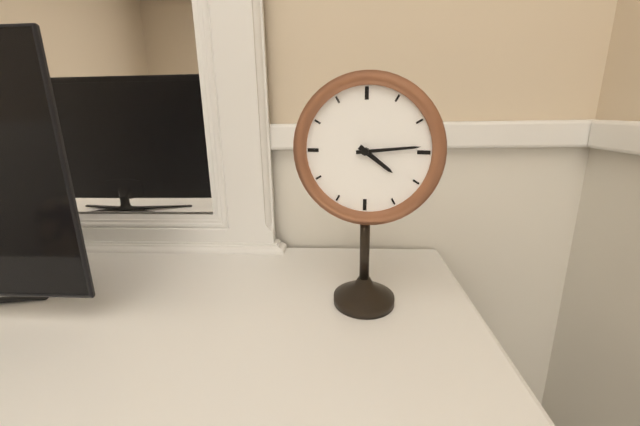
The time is 4h14
